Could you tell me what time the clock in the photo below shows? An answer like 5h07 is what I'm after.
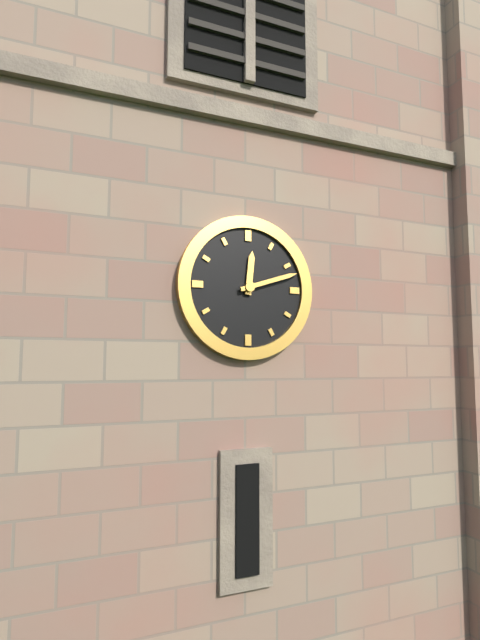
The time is 12h12
